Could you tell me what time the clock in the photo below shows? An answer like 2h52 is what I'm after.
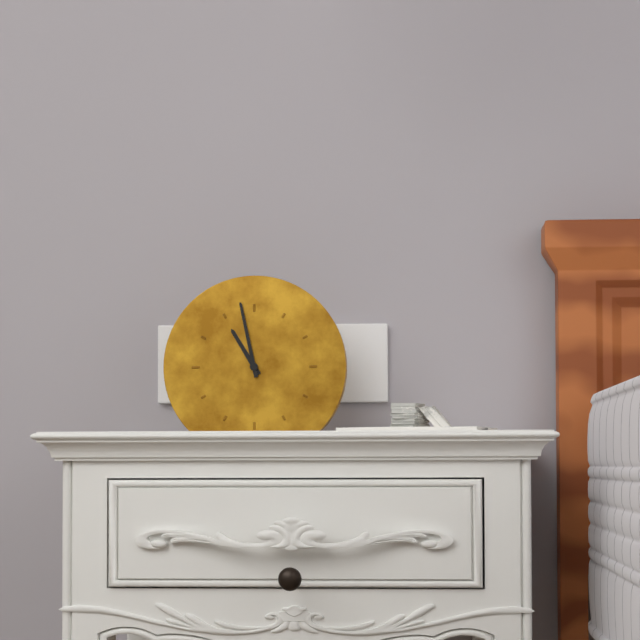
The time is 10h58
